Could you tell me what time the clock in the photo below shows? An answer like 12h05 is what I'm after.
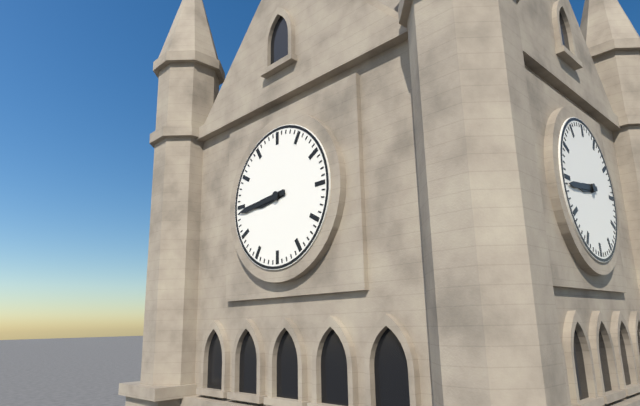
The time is 8h44
